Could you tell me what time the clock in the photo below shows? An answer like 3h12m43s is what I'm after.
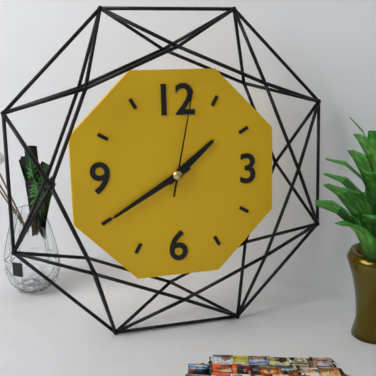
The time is 1h40m02s
